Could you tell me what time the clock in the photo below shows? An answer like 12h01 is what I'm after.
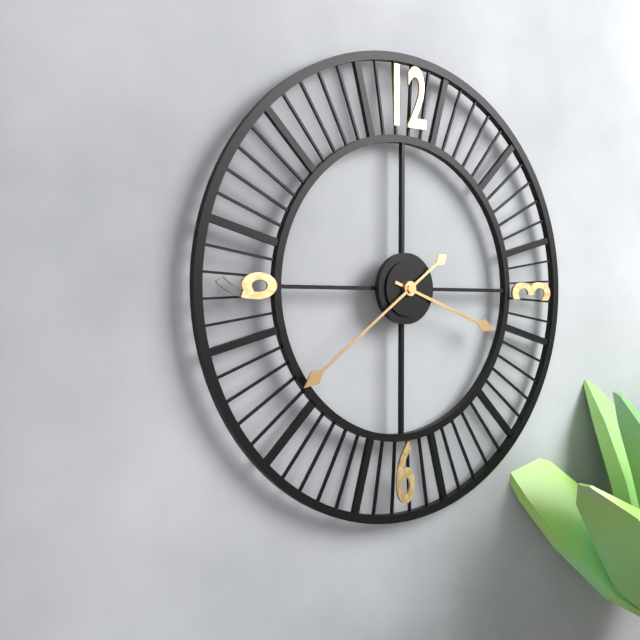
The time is 3h39
